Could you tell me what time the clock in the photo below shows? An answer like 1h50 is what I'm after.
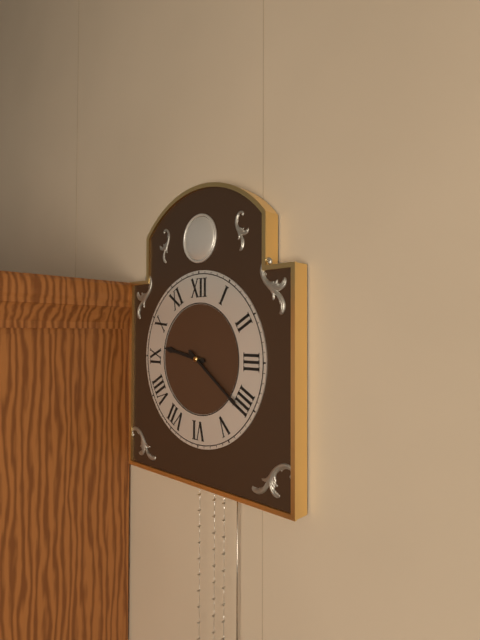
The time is 9h21
